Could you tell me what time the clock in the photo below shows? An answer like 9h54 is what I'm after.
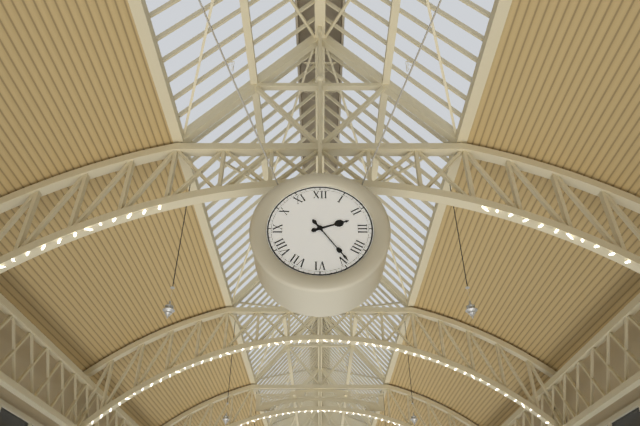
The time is 2h24
